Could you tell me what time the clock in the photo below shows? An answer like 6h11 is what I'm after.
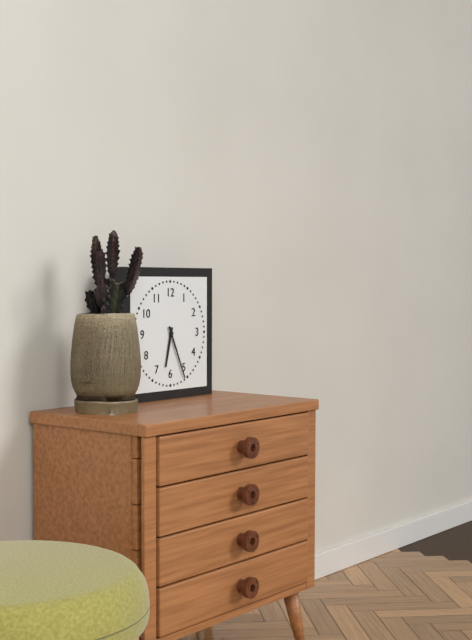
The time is 6h26
